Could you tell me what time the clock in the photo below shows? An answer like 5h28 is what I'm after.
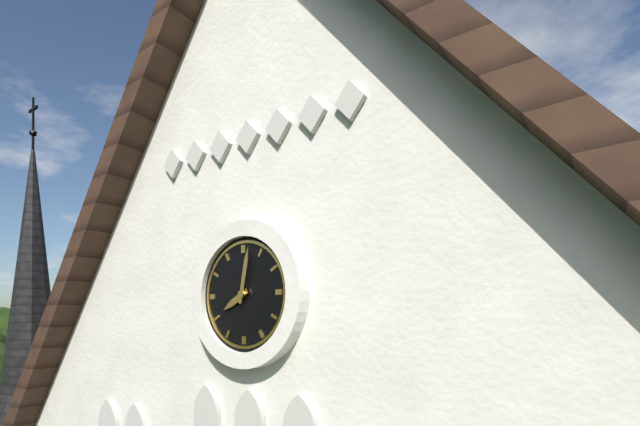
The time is 8h02
